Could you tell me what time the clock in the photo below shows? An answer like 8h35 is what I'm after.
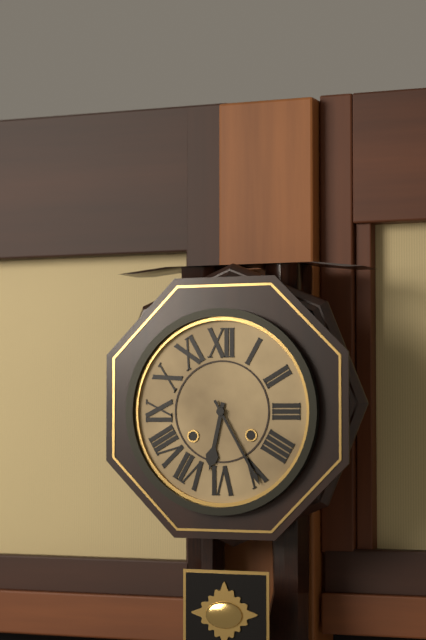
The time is 6h25
